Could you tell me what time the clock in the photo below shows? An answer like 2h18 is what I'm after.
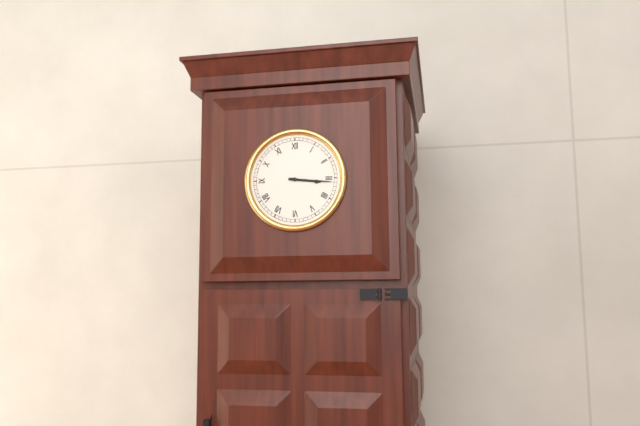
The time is 3h16
